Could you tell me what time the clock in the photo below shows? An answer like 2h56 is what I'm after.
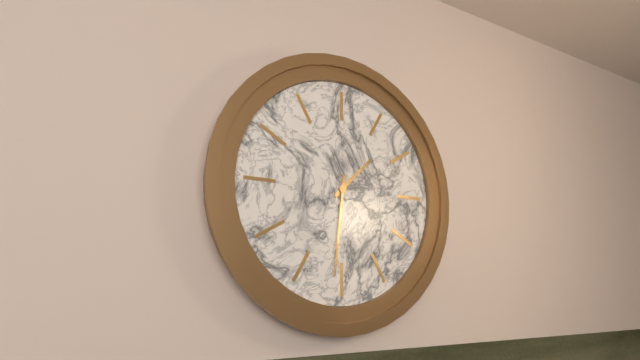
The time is 1h31
